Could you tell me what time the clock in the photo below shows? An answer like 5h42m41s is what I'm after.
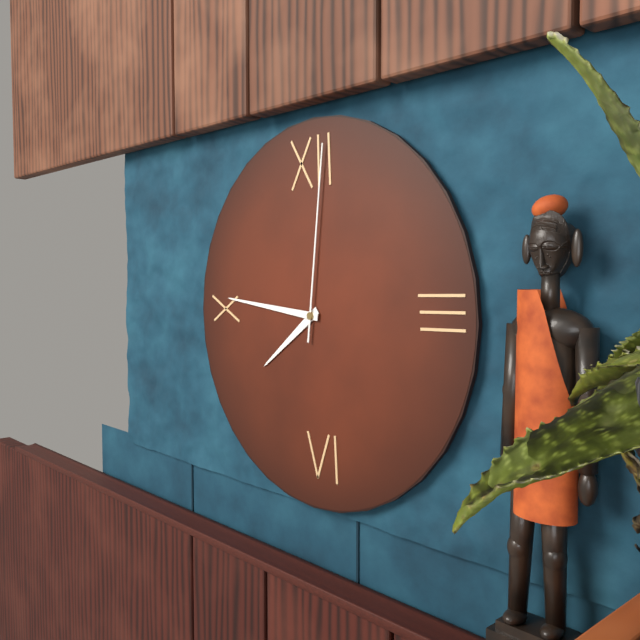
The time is 7h46m01s
